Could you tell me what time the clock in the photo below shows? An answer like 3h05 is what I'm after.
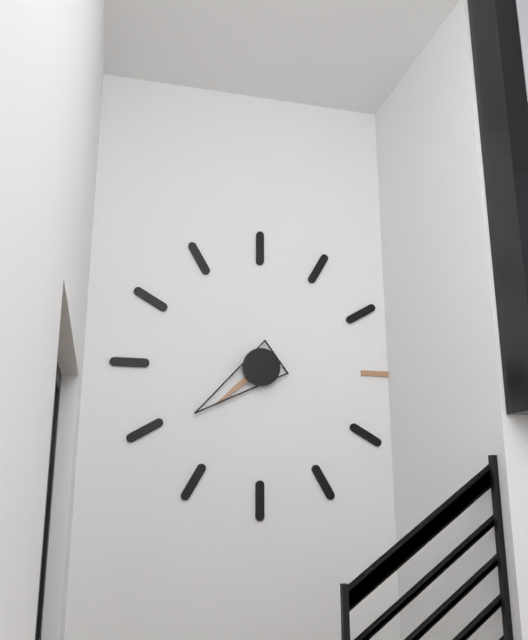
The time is 7h39
